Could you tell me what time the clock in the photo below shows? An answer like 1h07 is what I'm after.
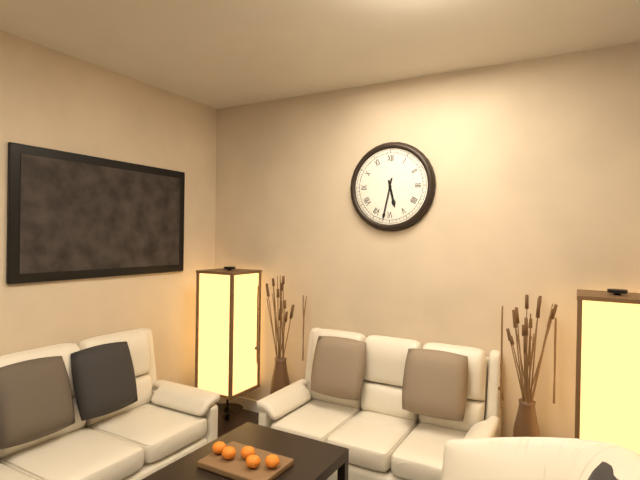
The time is 5h32
